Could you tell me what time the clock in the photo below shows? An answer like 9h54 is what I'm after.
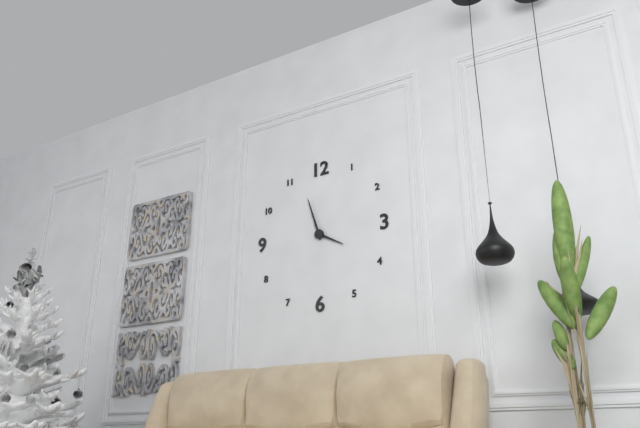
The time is 3h57
